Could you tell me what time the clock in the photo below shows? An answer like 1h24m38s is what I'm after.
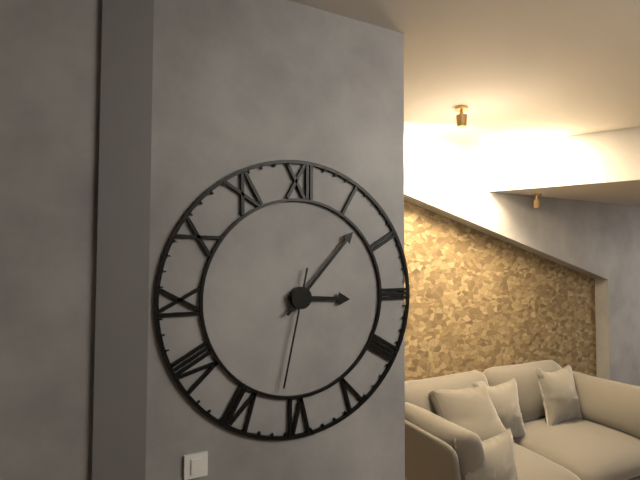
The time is 3h07m32s
